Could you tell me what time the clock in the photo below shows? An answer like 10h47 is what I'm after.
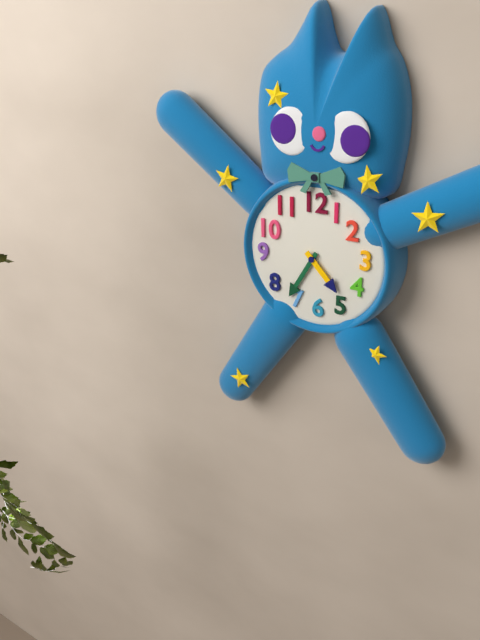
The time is 4h35
